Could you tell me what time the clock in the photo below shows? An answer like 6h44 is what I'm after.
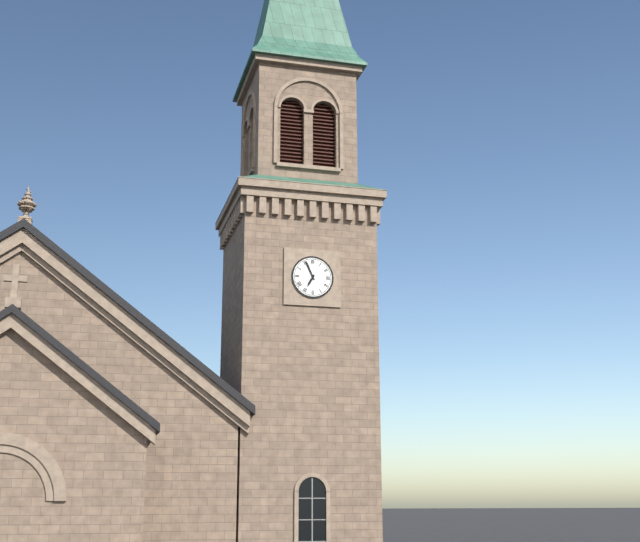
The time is 6h56
